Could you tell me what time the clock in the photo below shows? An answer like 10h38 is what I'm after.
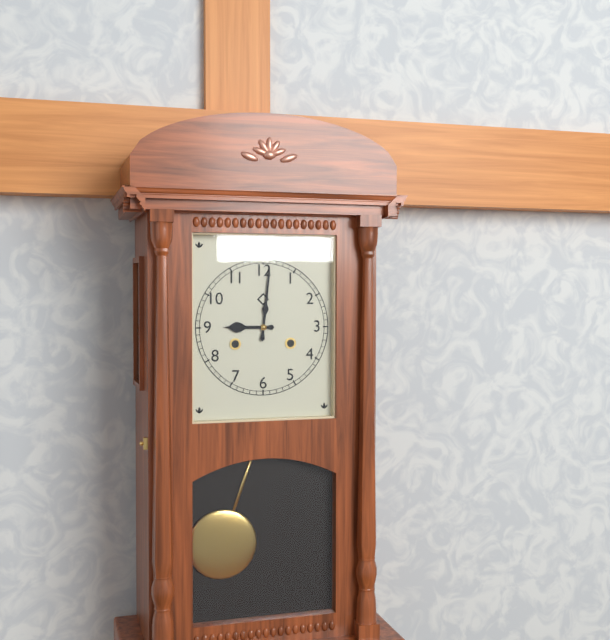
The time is 9h01
